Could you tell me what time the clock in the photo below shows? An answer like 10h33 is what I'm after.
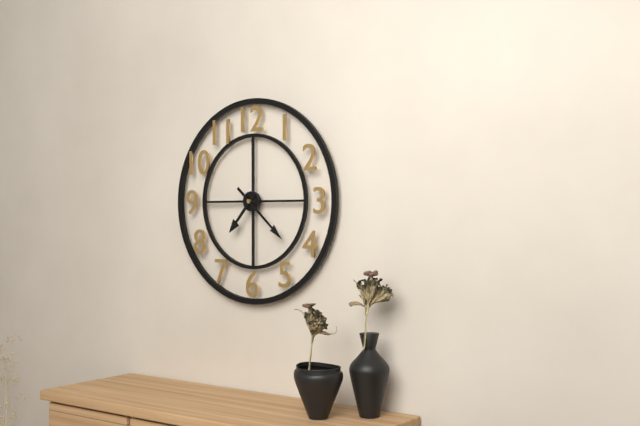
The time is 7h22
